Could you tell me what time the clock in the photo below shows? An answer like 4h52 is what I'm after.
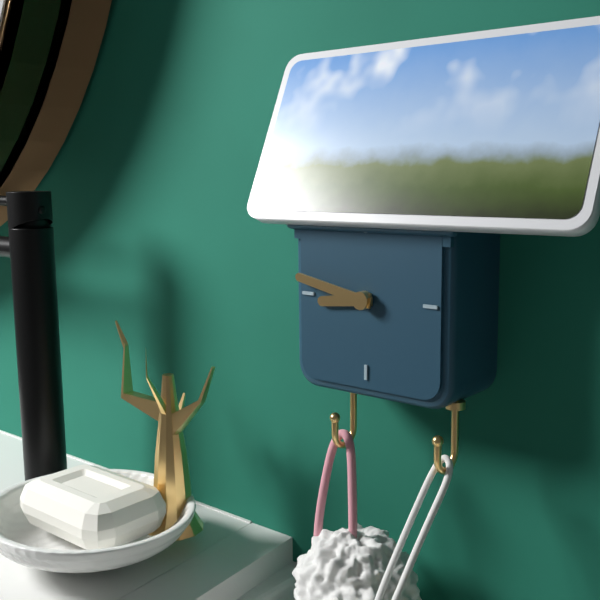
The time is 8h47
